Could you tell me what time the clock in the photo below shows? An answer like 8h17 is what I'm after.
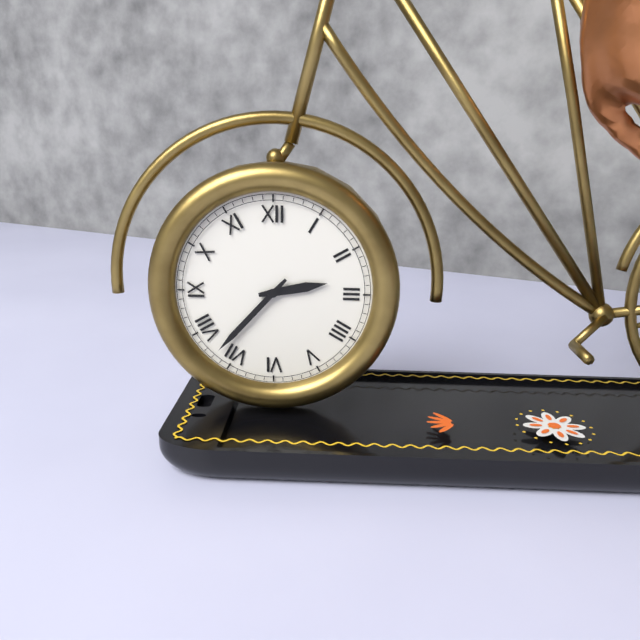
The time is 2h37
